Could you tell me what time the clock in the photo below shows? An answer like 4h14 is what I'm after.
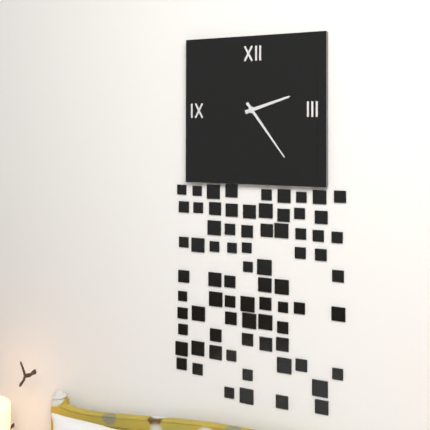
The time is 2h24
